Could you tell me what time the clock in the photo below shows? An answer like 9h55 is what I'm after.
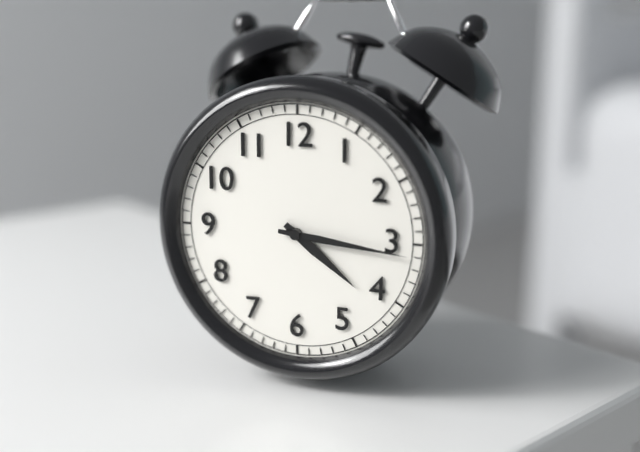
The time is 4h16
